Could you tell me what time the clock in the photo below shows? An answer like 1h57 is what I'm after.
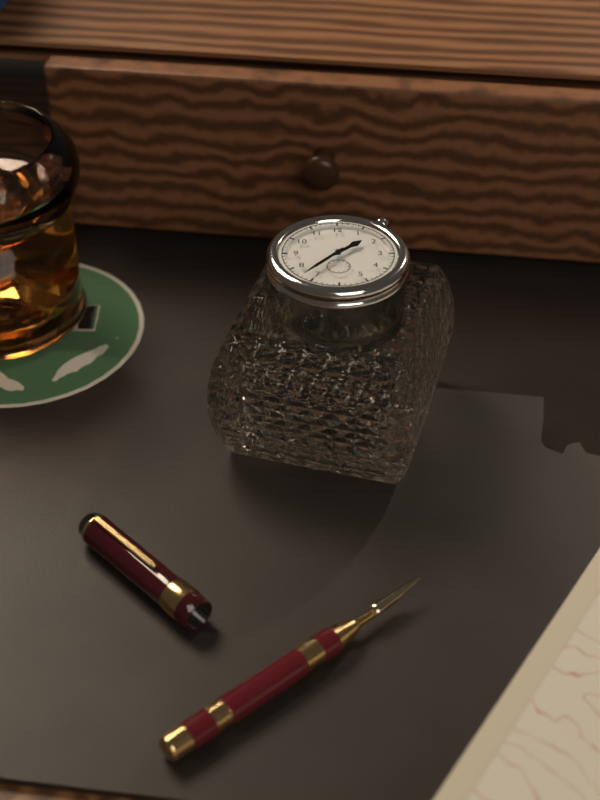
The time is 1h37
